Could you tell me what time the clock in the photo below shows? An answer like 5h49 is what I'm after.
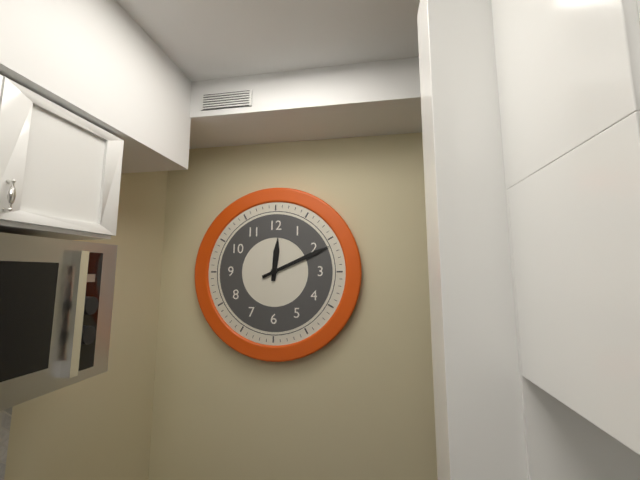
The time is 12h11
